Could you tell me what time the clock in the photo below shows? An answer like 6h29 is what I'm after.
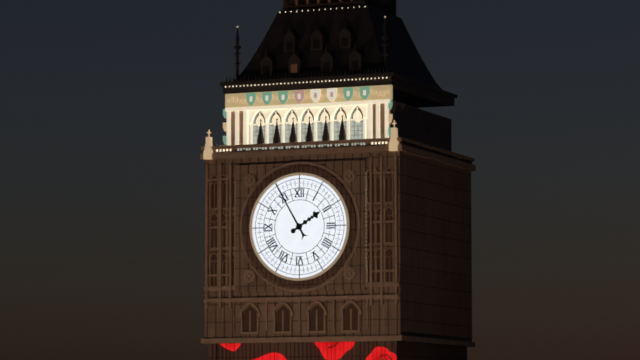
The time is 1h55
